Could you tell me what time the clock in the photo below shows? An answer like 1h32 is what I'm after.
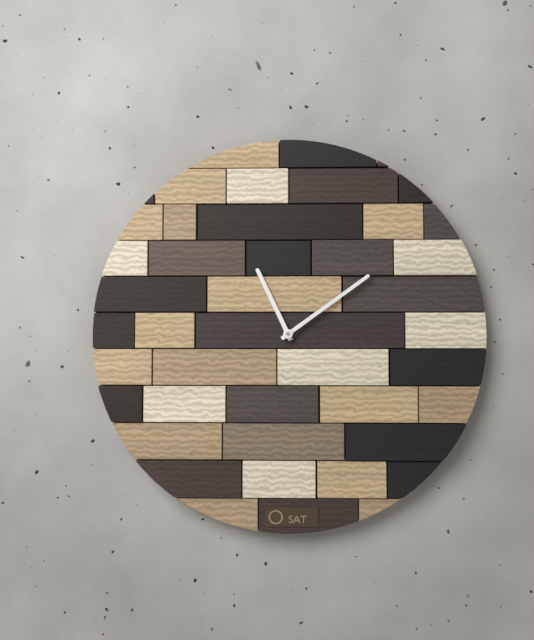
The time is 11h09
